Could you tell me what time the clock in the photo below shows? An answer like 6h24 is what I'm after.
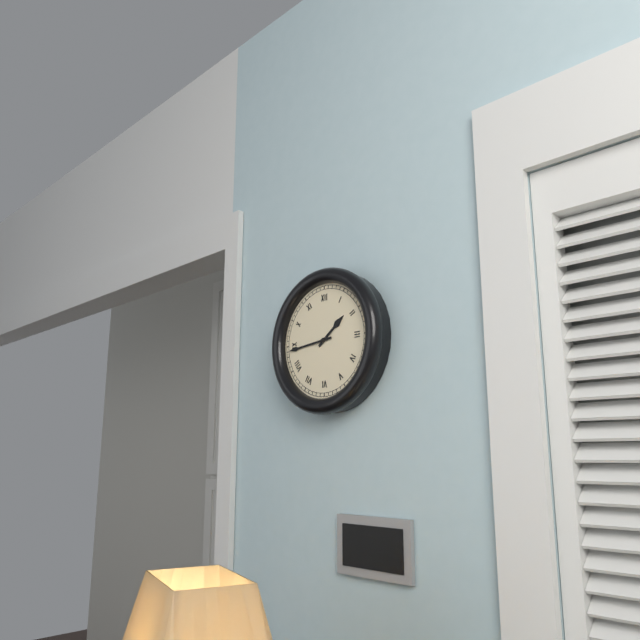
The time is 1h44
